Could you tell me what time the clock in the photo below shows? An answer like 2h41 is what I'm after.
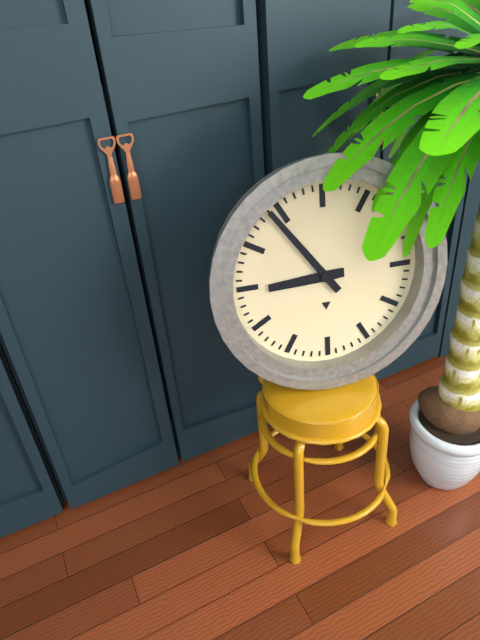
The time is 8h54
